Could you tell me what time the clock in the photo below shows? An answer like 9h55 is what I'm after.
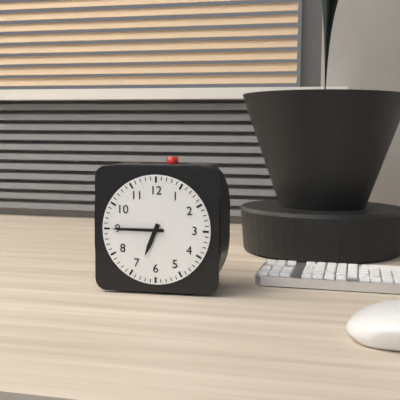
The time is 6h45
